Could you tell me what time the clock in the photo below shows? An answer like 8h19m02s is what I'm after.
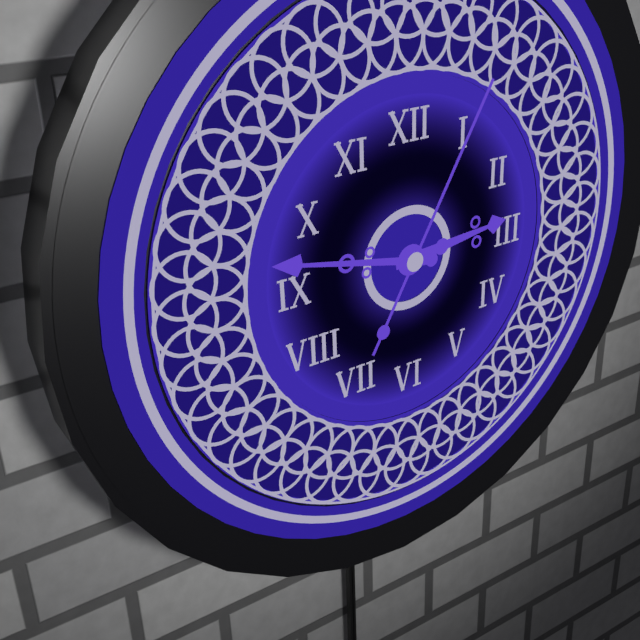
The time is 2h47m05s
